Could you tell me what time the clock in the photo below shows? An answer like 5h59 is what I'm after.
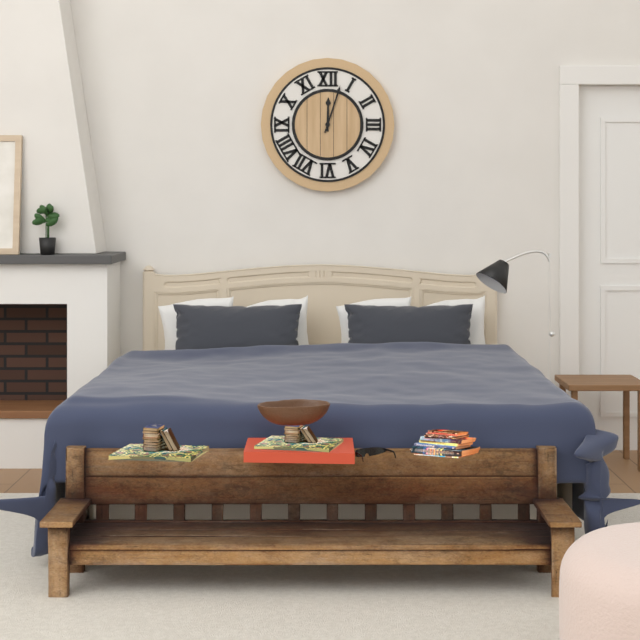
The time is 12h03
